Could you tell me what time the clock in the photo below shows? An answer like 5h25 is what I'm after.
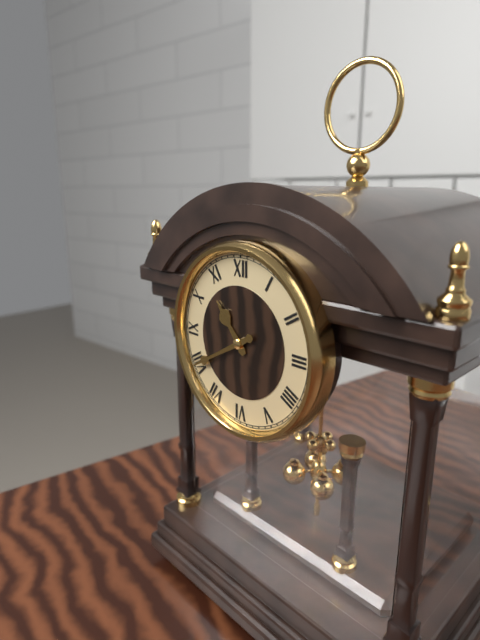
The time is 10h40
